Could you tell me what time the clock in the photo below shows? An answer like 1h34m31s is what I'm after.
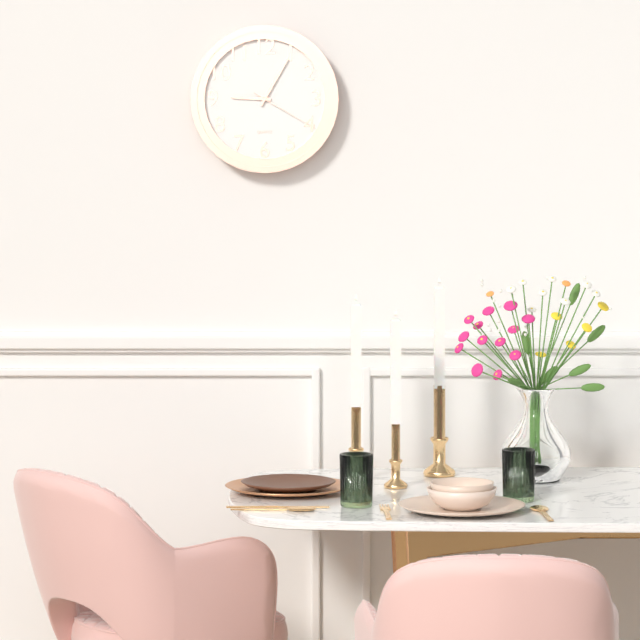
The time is 9h05m20s
